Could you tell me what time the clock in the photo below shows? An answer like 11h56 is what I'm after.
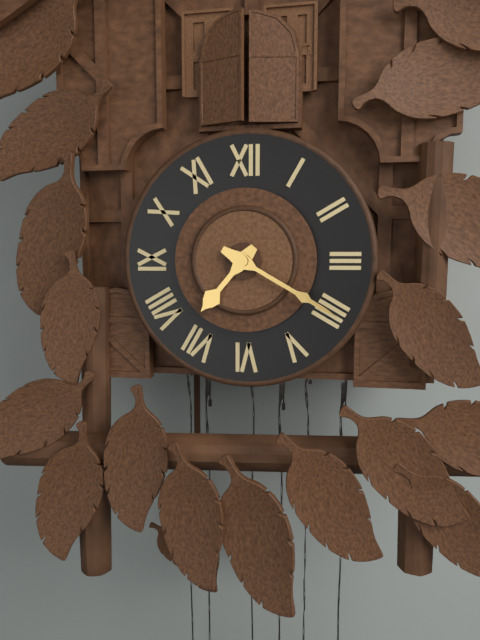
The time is 7h20
